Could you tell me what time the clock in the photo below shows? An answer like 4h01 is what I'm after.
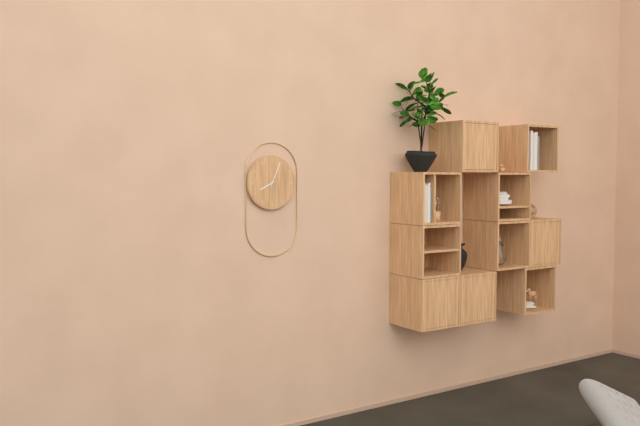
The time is 8h04
